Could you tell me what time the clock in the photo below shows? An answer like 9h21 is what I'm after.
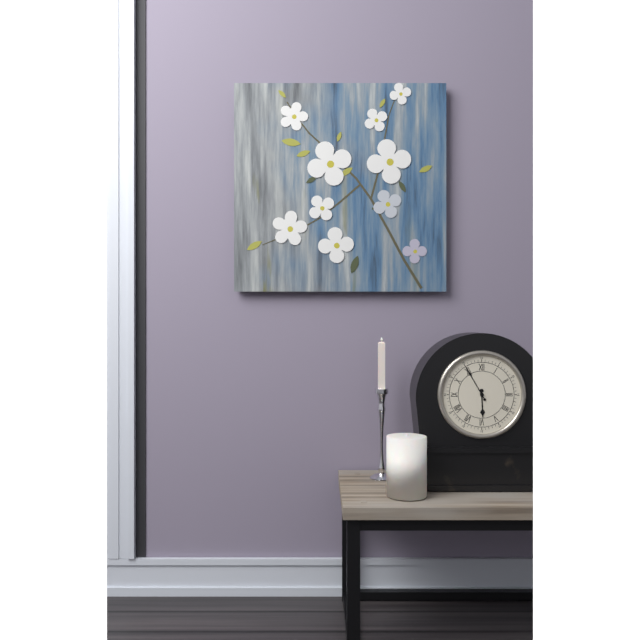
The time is 5h55
